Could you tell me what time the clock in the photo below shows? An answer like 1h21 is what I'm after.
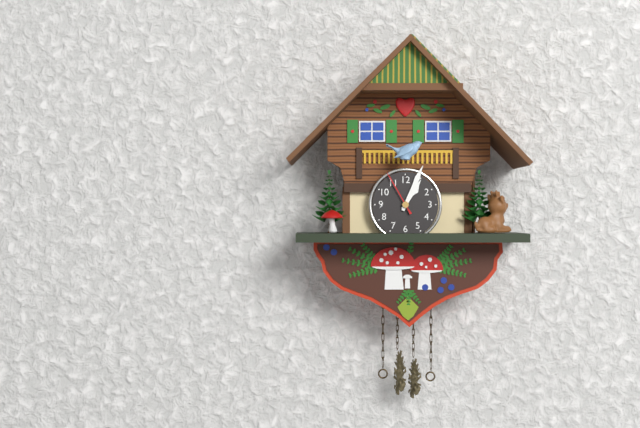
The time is 1h04
